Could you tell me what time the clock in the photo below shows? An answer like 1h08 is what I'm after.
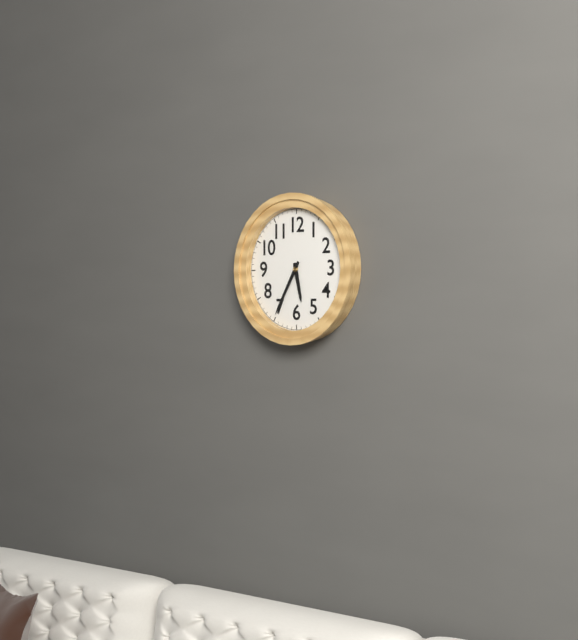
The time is 5h35
